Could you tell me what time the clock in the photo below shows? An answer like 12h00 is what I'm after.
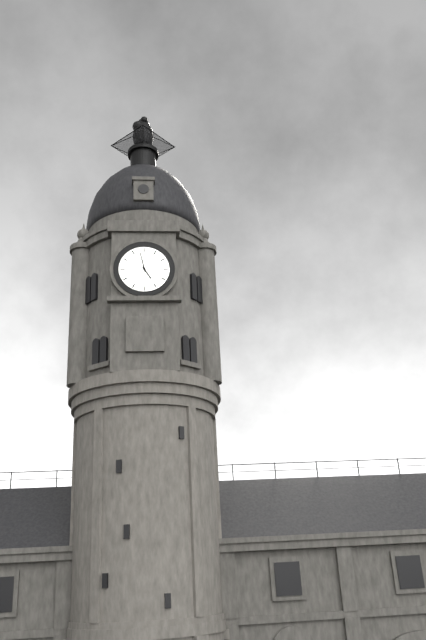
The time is 4h58
